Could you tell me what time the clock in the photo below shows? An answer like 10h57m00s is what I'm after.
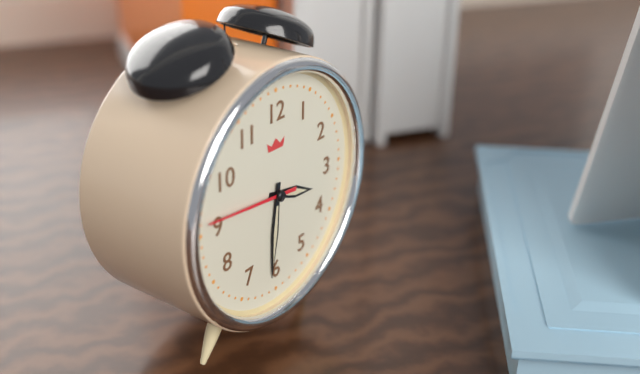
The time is 3h31m46s
